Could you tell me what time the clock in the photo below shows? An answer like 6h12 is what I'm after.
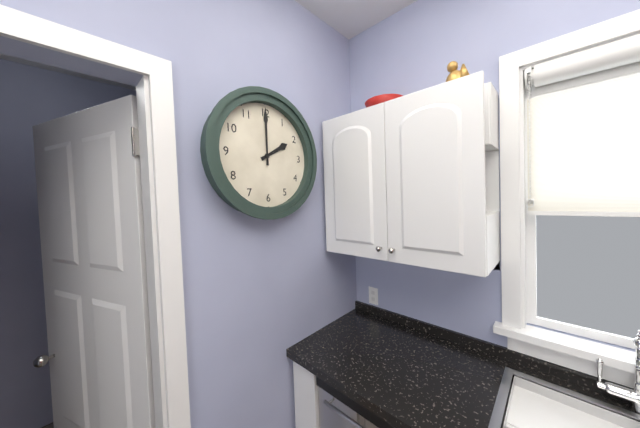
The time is 2h00
